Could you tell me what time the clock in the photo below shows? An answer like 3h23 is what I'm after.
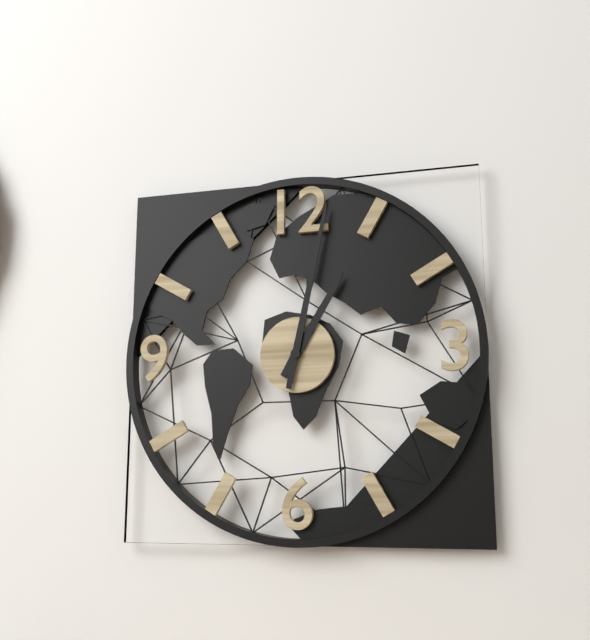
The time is 1h02
